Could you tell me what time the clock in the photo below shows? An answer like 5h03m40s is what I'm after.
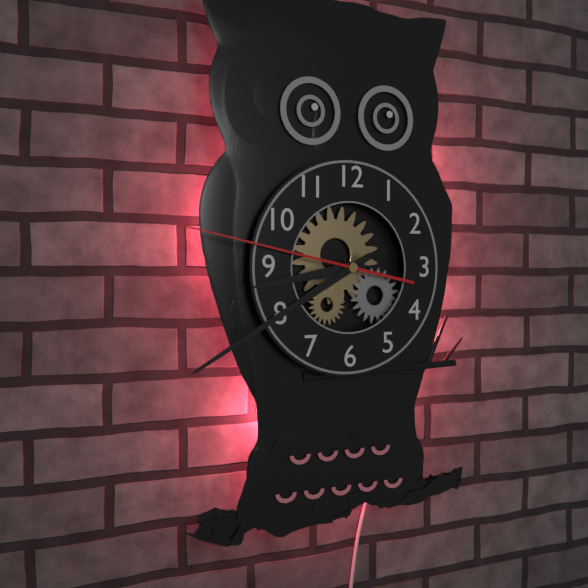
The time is 8h40m47s
